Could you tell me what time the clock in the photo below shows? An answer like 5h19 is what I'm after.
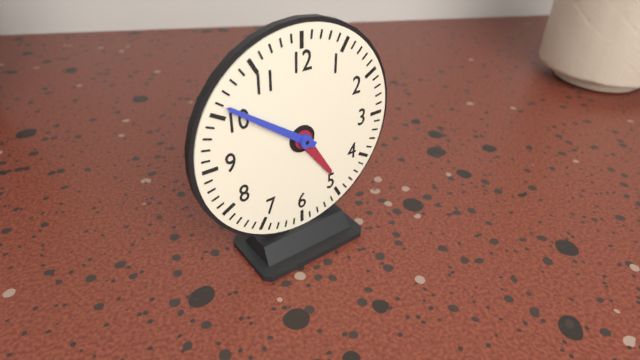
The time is 4h51
